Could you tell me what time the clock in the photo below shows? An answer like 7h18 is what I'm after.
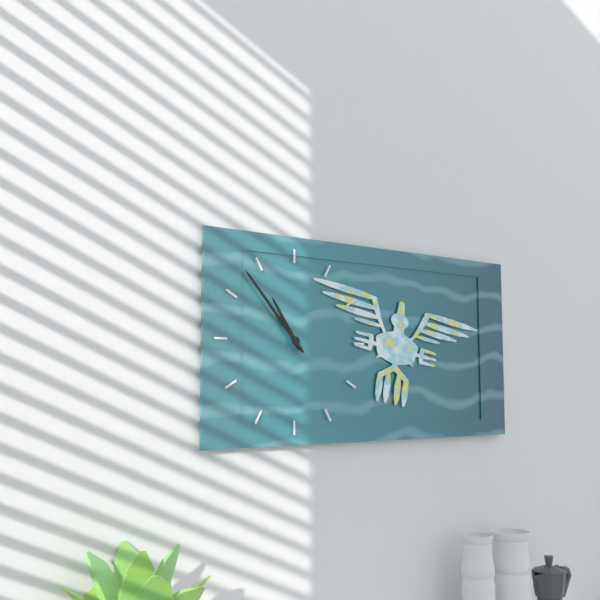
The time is 10h53
